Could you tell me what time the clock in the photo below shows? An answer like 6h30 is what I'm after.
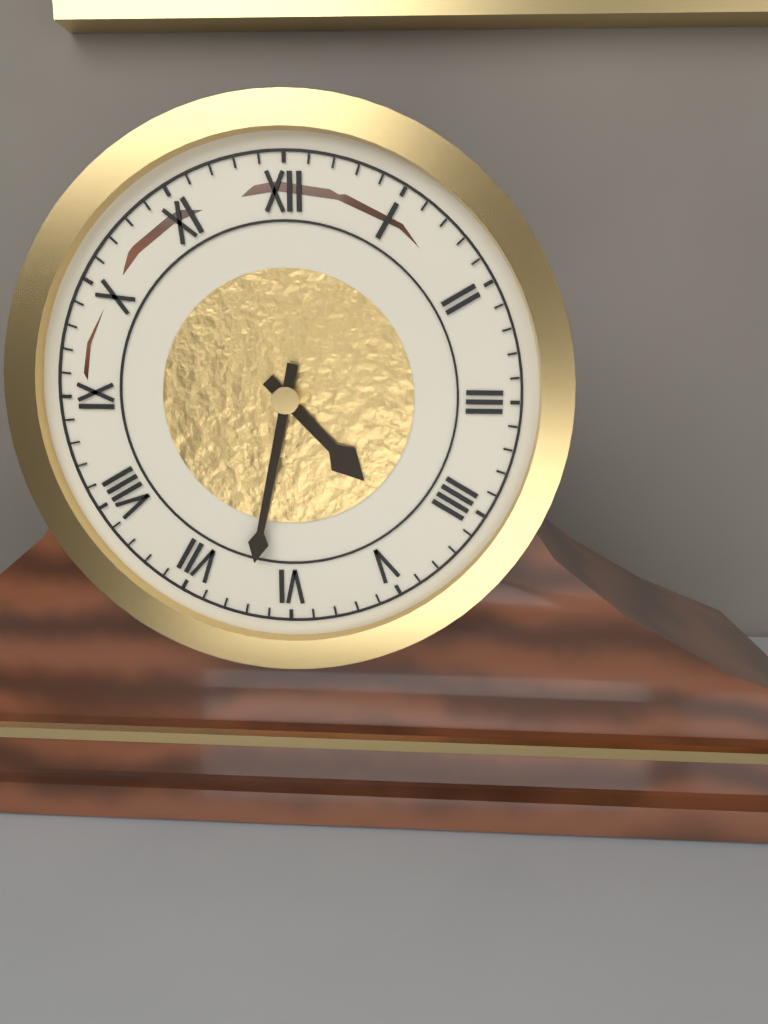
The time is 4h32
